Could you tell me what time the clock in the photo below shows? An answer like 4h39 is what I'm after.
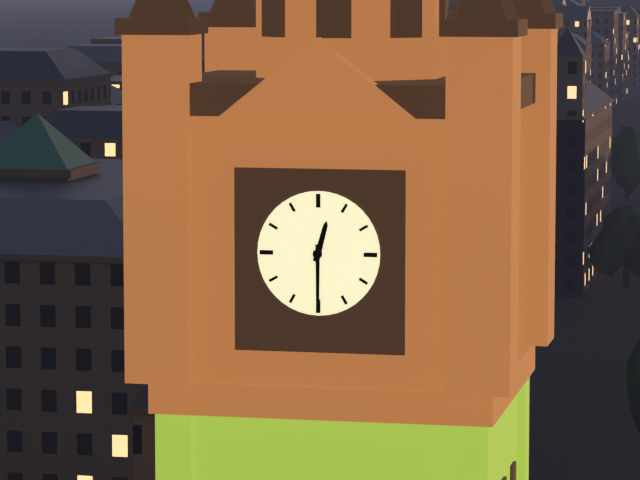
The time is 12h30
